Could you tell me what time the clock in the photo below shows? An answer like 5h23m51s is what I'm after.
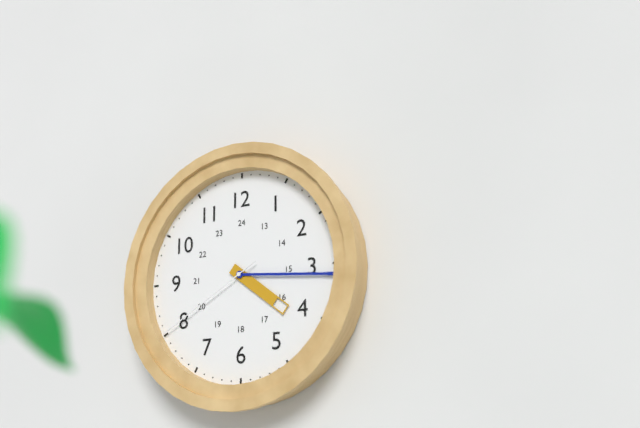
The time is 4h16m40s
